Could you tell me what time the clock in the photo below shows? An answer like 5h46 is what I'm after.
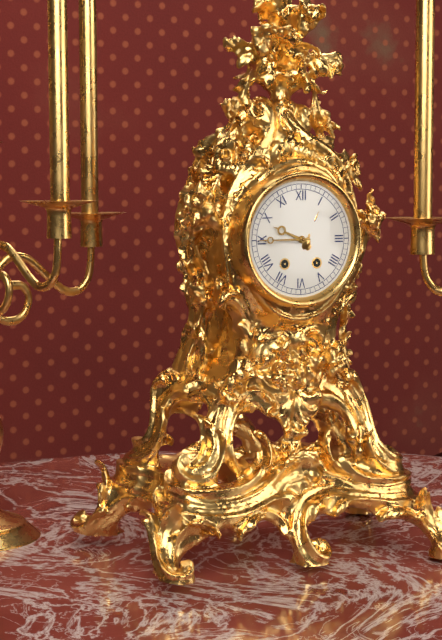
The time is 9h45
